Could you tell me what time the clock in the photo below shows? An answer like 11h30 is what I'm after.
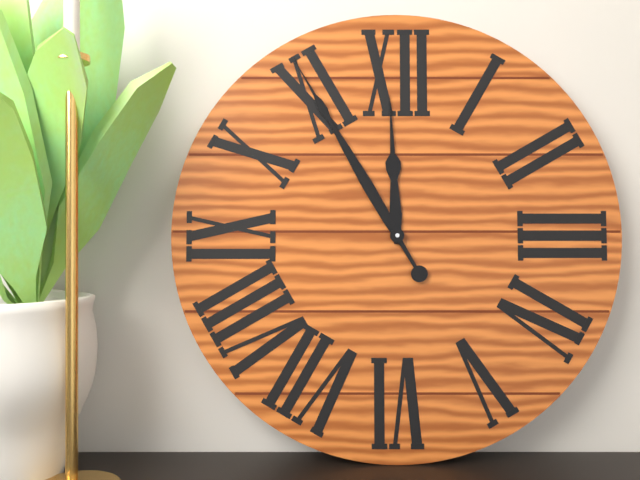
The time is 11h55
